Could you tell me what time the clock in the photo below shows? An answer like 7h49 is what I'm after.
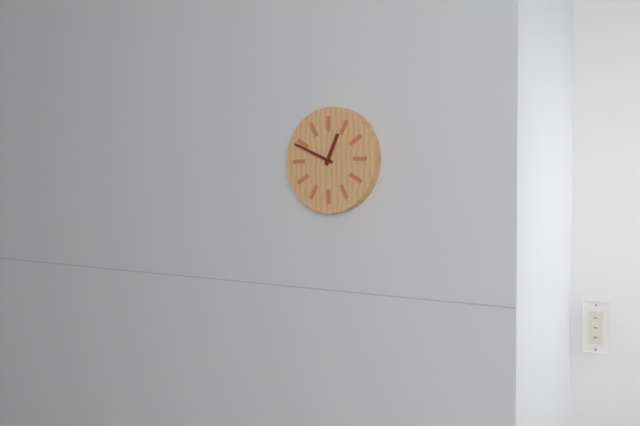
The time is 12h49
